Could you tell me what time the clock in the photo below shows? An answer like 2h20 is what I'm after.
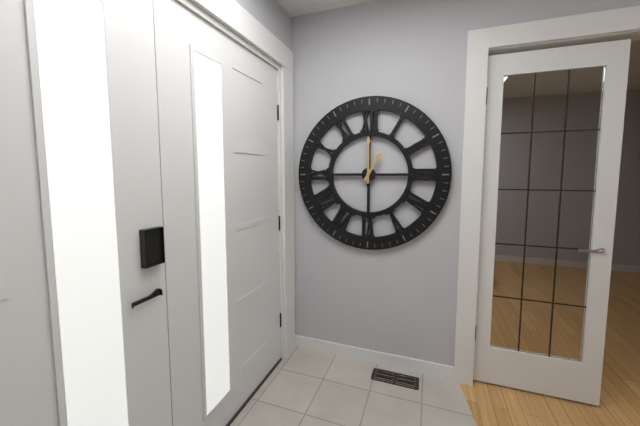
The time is 1h00
